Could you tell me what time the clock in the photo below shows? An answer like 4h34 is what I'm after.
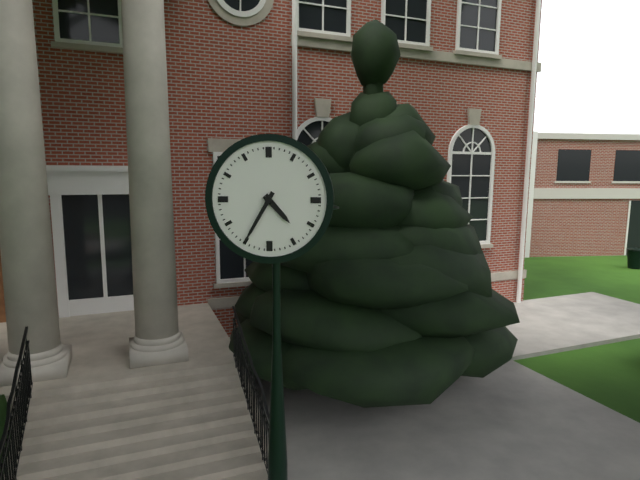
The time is 4h35
